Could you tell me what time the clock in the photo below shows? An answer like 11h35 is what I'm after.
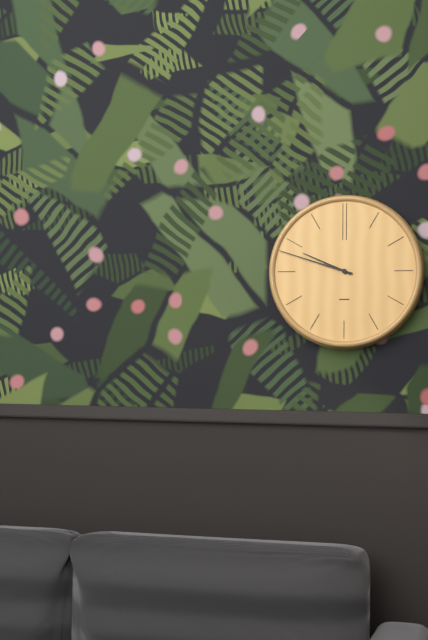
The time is 9h48
